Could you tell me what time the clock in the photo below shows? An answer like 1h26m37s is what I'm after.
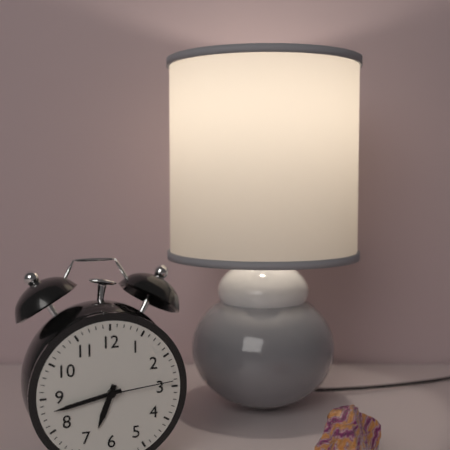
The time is 6h43m14s
